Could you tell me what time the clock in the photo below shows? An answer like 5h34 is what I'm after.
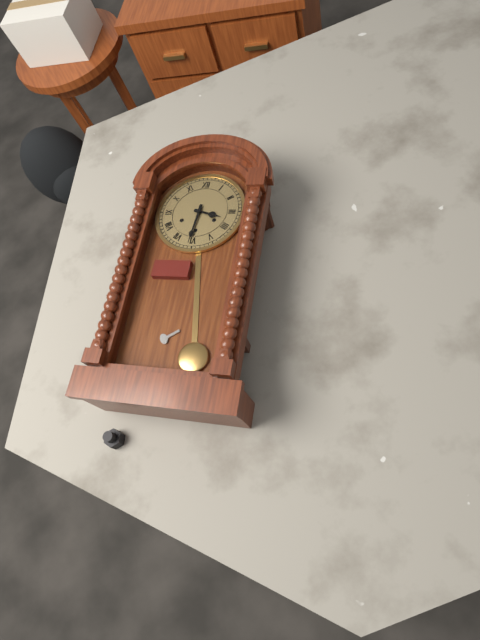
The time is 3h31
